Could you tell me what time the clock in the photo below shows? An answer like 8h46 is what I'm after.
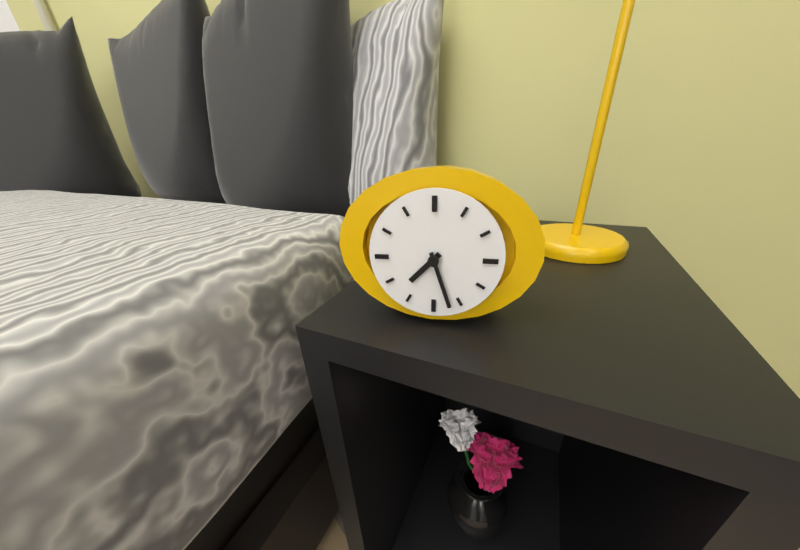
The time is 7h27
